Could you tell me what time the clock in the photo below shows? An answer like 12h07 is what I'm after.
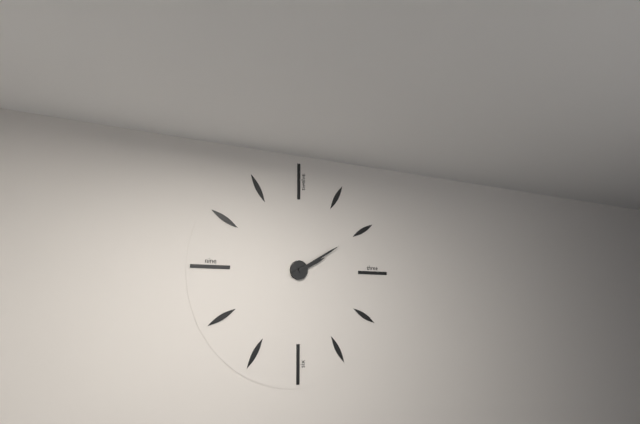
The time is 2h10
